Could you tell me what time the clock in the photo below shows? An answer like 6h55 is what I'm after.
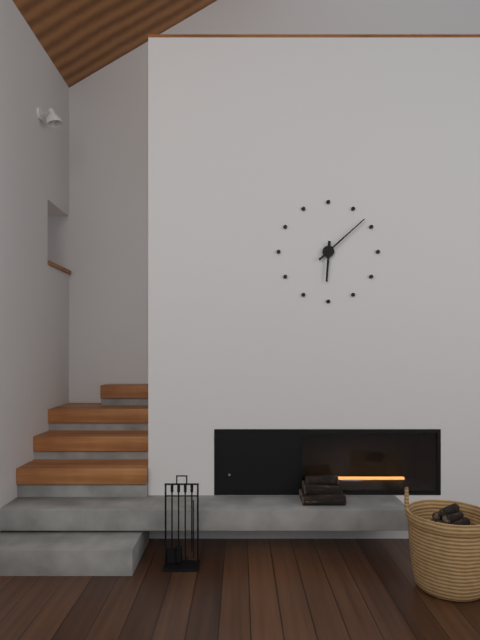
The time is 6h08
